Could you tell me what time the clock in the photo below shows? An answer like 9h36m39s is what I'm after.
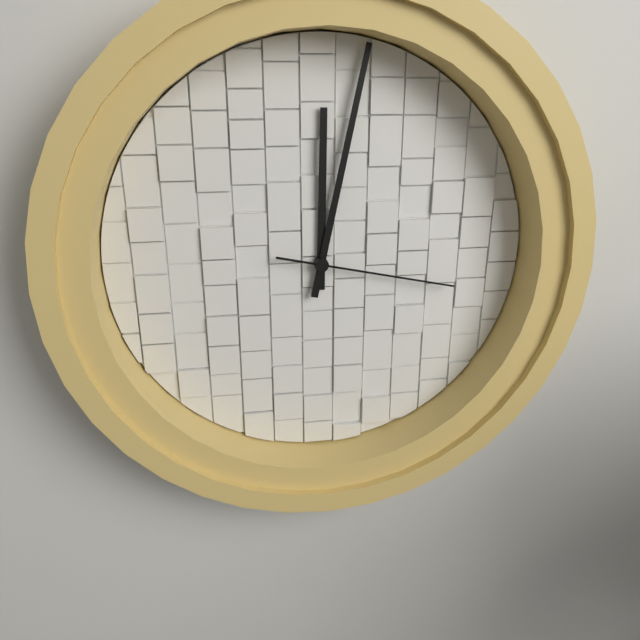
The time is 12h02m17s
